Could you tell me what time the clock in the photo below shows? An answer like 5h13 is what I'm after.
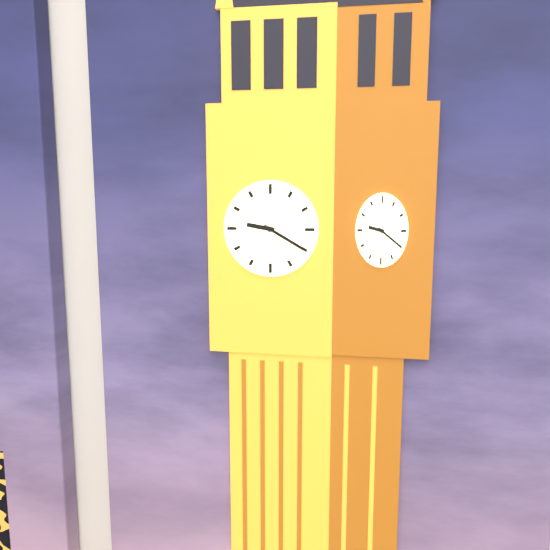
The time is 9h20
